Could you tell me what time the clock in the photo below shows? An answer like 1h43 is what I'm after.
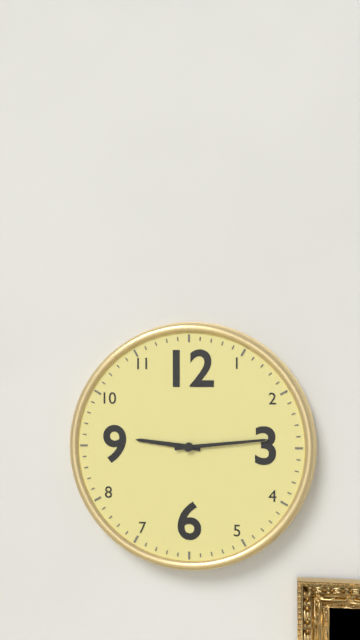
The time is 9h14
